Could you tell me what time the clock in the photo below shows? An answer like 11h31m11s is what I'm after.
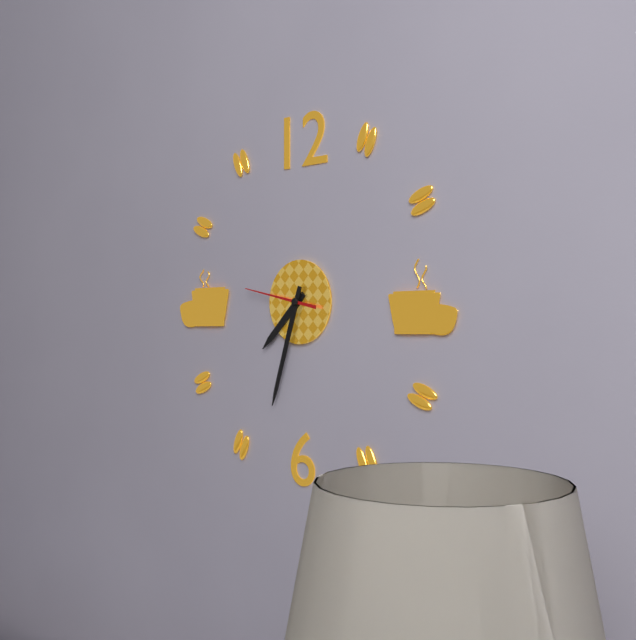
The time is 7h33m47s
